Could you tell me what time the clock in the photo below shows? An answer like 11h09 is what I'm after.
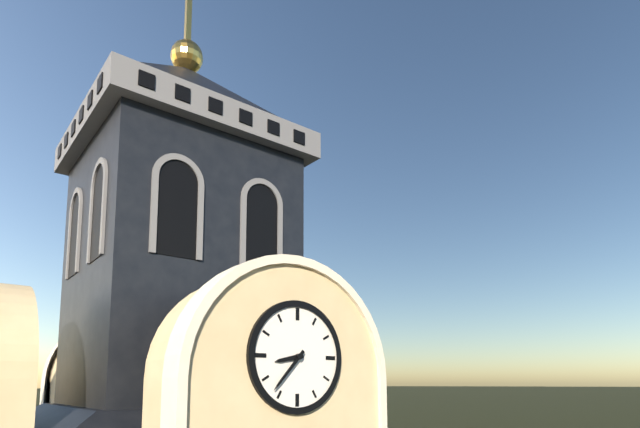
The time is 8h37
